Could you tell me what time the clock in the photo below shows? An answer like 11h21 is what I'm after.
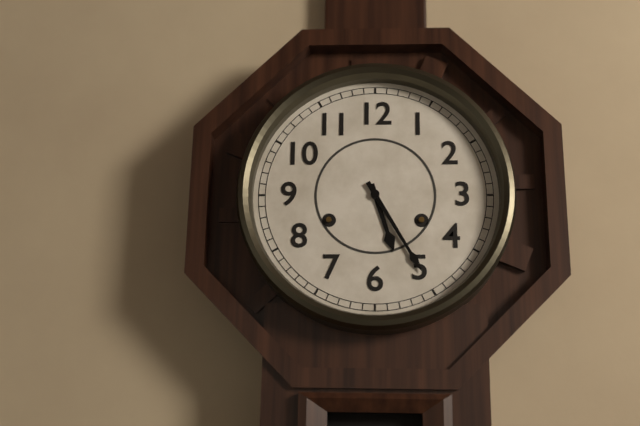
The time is 5h25
